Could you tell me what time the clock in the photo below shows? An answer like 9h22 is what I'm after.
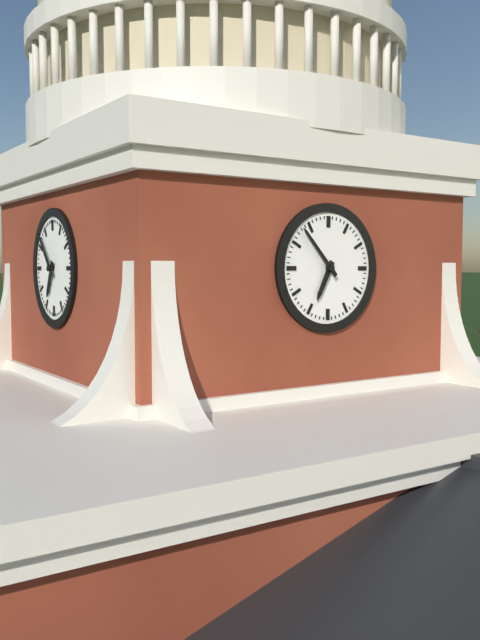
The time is 6h53
